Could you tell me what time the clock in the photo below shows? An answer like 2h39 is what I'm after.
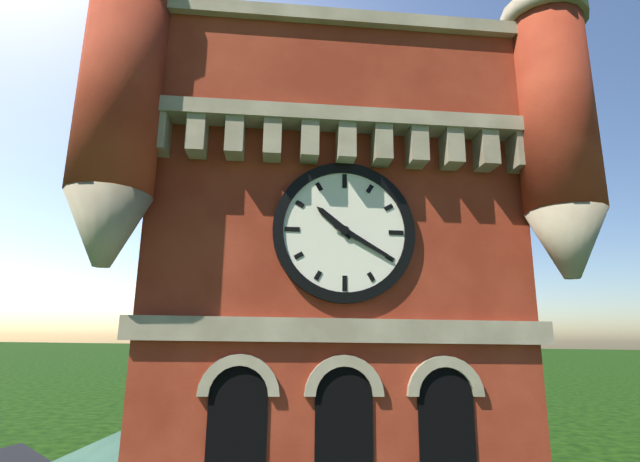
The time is 10h20
